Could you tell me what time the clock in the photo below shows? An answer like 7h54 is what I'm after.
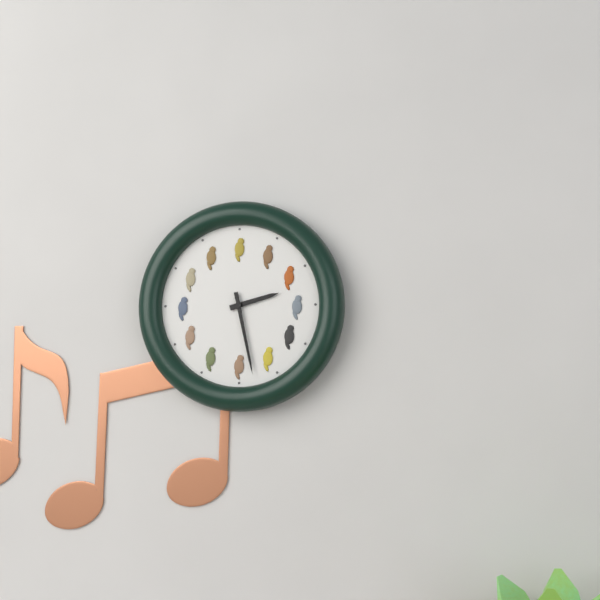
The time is 2h28
